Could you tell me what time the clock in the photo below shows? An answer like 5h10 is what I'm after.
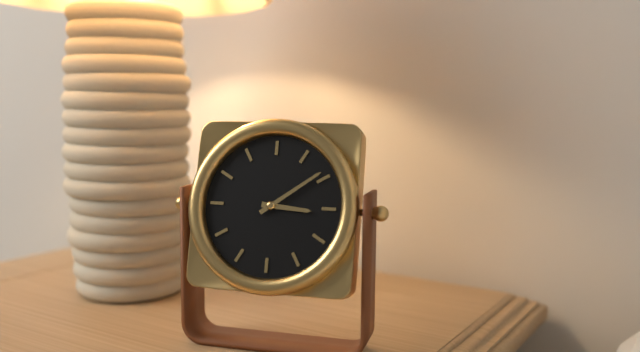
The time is 3h09
